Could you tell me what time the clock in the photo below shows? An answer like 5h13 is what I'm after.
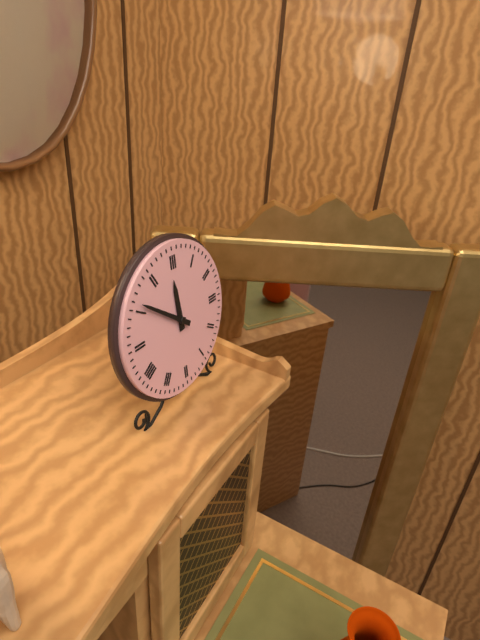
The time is 11h51
